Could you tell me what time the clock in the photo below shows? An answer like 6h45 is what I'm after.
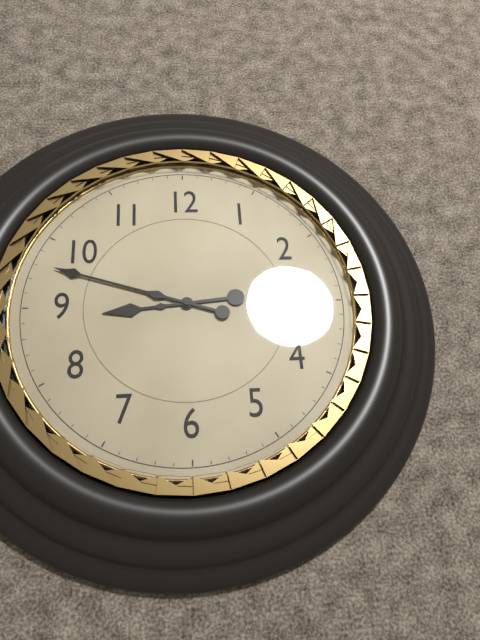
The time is 8h48
